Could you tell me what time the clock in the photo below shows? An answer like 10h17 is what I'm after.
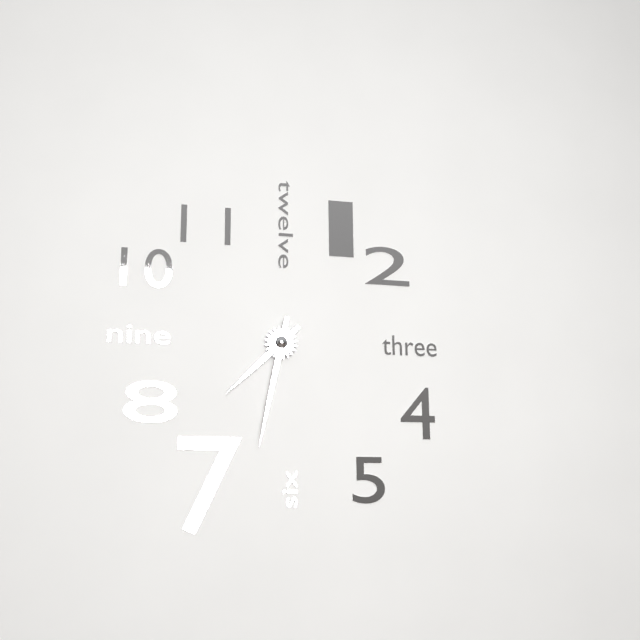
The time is 7h32
